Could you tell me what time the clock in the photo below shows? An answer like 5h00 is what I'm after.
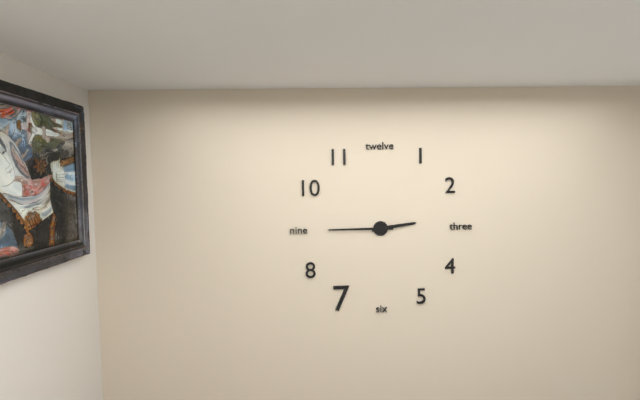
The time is 2h45
